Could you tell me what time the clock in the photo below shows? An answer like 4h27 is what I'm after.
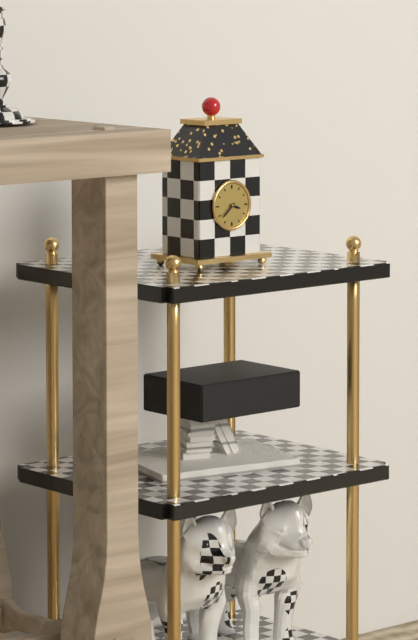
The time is 3h38
